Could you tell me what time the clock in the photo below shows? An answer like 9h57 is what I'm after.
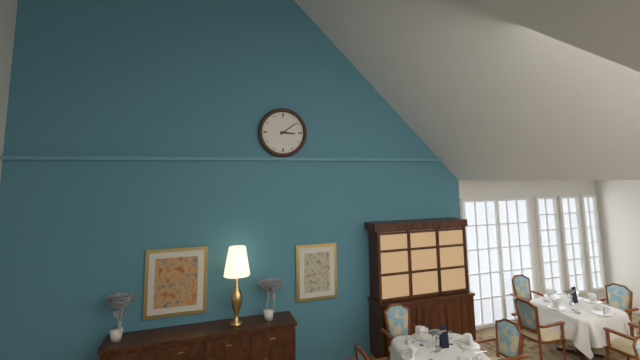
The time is 3h09
